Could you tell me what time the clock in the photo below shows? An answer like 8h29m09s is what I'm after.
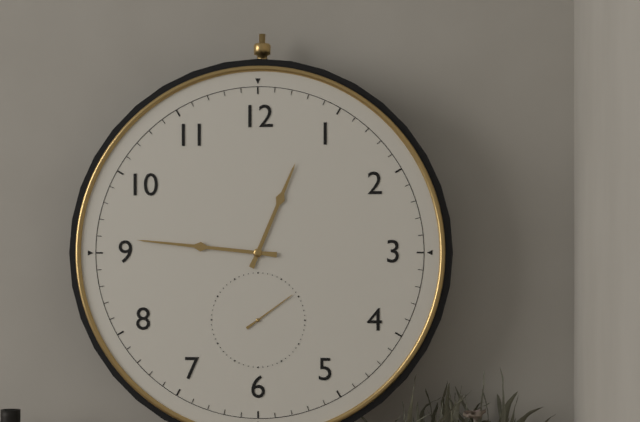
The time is 12h46m09s
